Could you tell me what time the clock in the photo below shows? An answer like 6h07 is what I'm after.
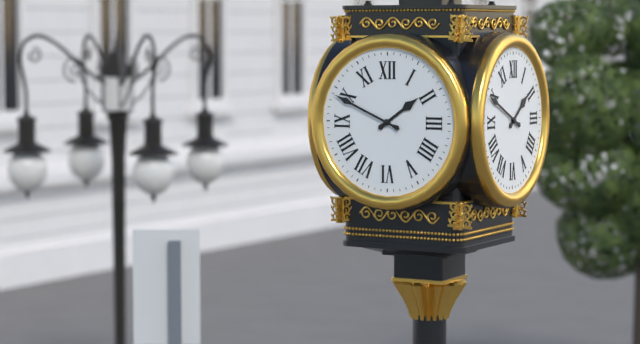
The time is 1h49
